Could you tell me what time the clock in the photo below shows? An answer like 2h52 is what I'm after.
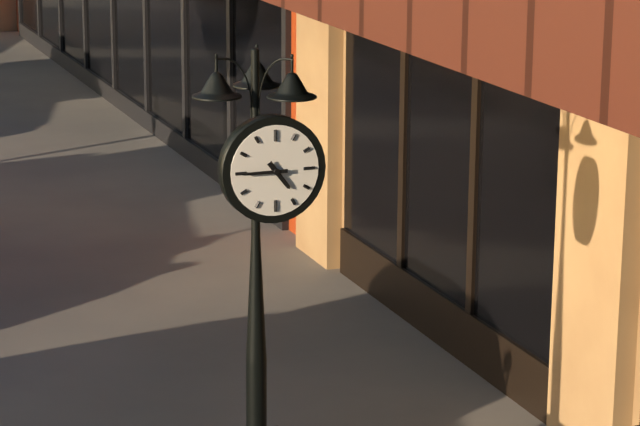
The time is 4h45
